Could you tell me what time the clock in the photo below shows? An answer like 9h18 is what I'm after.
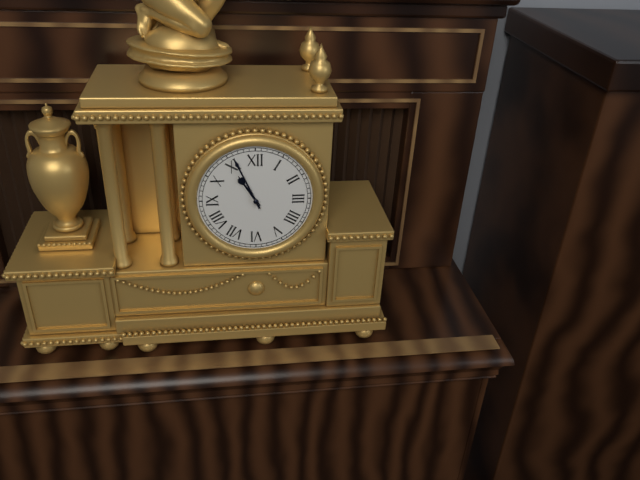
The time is 10h56
